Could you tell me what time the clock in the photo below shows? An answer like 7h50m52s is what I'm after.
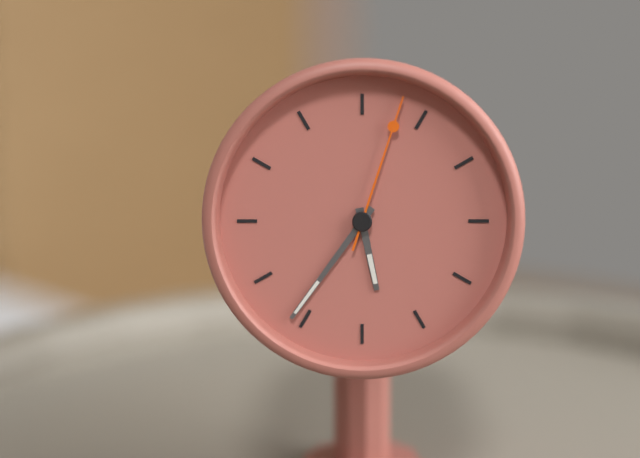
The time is 5h36m03s
